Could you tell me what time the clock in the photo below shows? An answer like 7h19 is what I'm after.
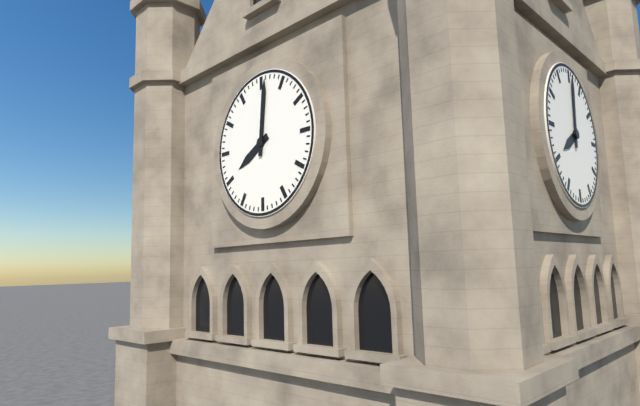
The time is 8h01
